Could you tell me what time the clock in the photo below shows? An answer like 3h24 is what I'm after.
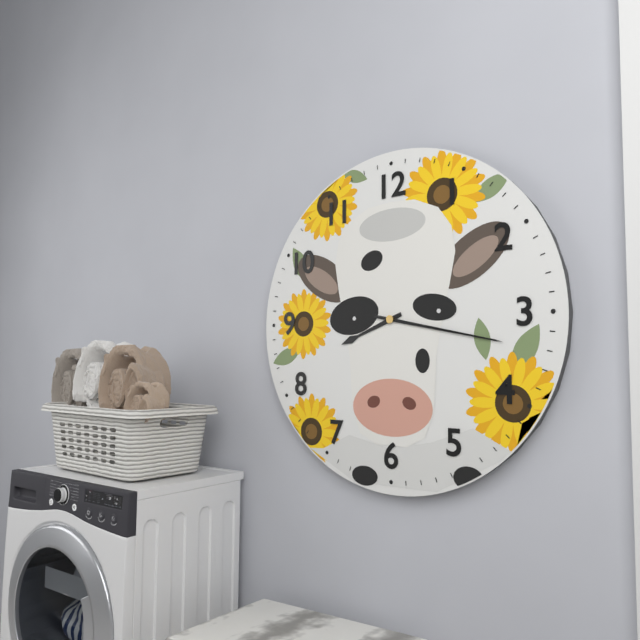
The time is 8h17
